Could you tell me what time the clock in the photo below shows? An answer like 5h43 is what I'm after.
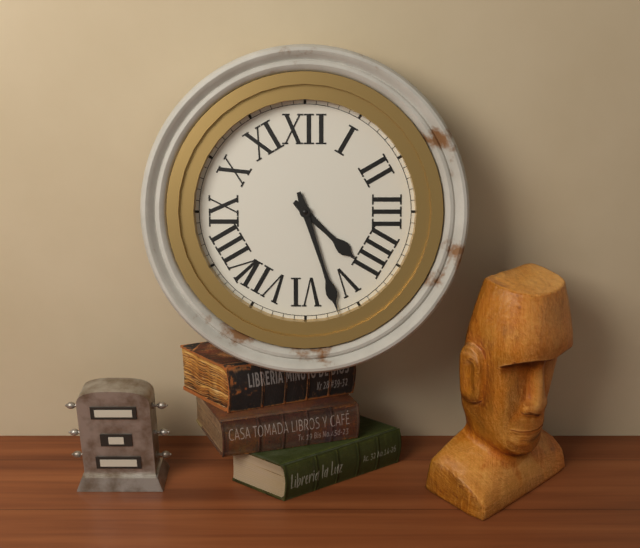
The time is 4h27
